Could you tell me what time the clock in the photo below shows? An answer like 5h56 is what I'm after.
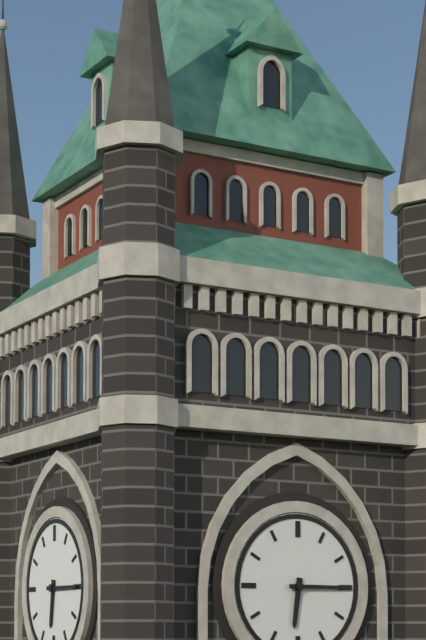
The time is 6h15
